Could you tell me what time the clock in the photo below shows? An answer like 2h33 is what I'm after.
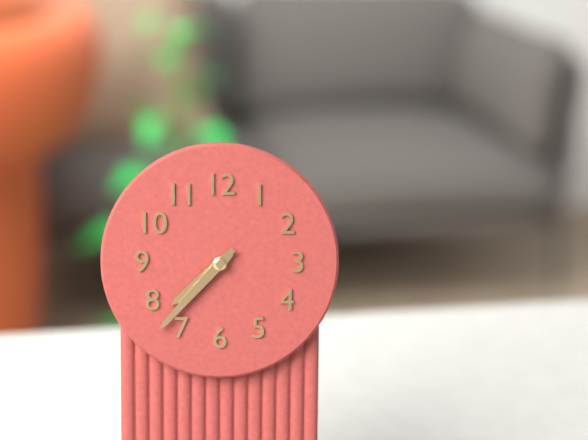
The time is 7h37
